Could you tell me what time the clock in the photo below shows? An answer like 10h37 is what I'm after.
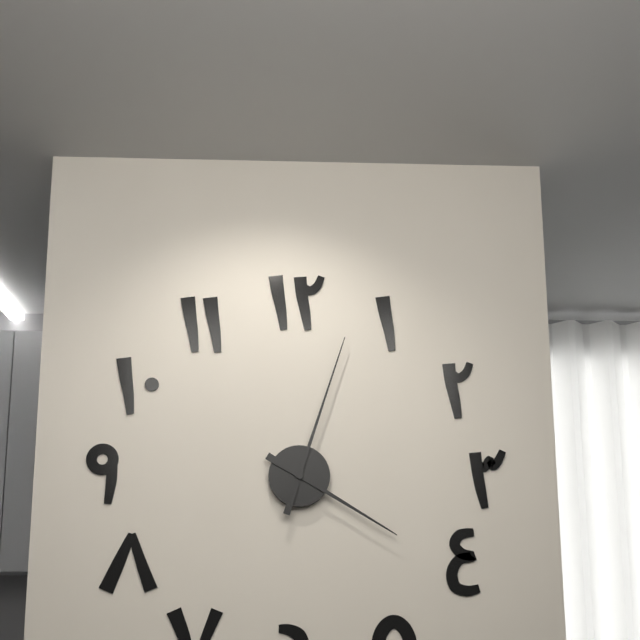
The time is 4h03
